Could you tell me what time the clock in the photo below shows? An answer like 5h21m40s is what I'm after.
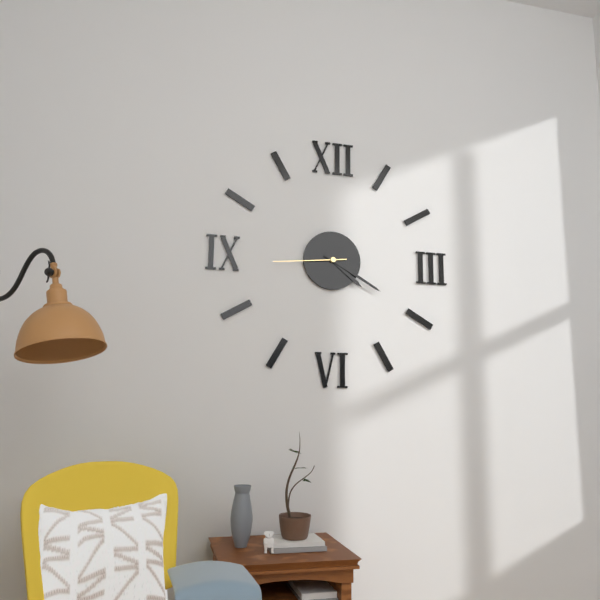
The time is 4h20m44s
